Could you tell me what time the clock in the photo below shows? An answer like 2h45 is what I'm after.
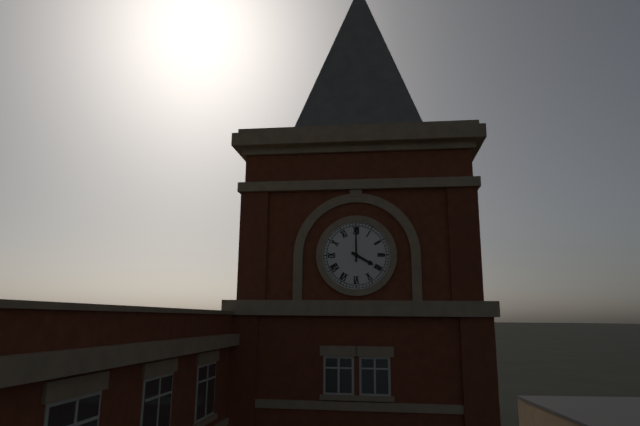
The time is 4h00
